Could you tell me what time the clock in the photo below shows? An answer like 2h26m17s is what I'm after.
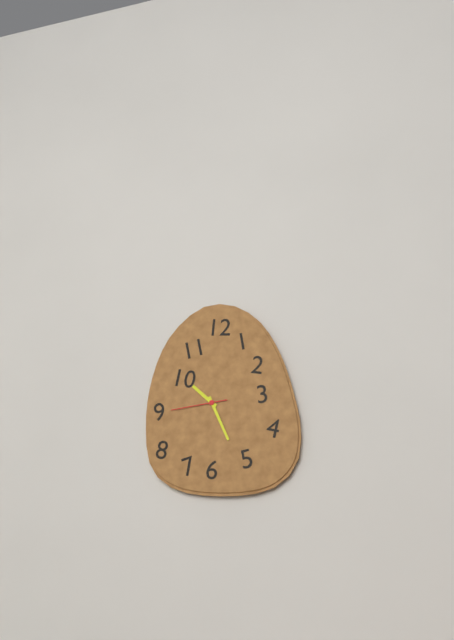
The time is 10h26m44s
